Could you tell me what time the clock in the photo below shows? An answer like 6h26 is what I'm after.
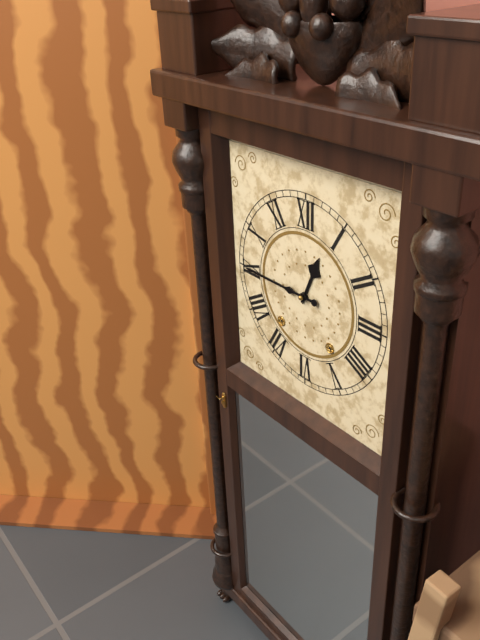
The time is 12h45
